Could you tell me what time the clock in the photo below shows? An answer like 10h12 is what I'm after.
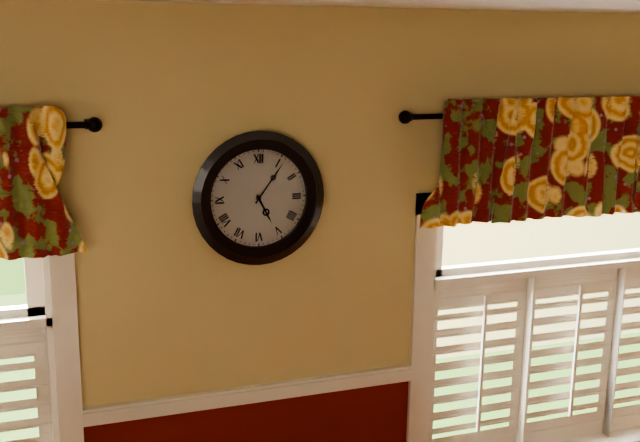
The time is 5h06
